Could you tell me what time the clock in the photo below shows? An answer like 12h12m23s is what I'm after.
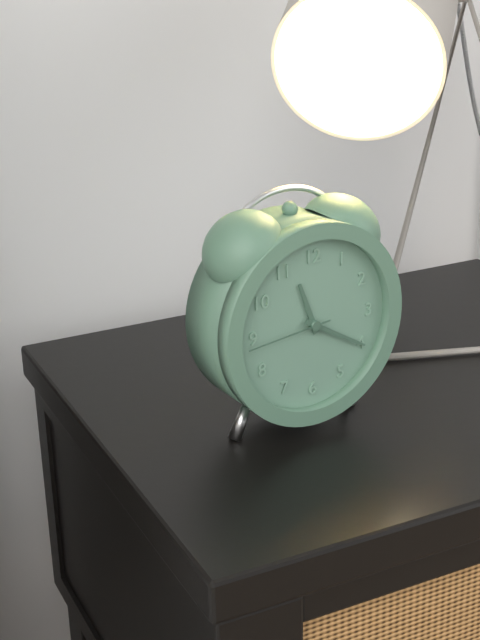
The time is 11h20m44s
